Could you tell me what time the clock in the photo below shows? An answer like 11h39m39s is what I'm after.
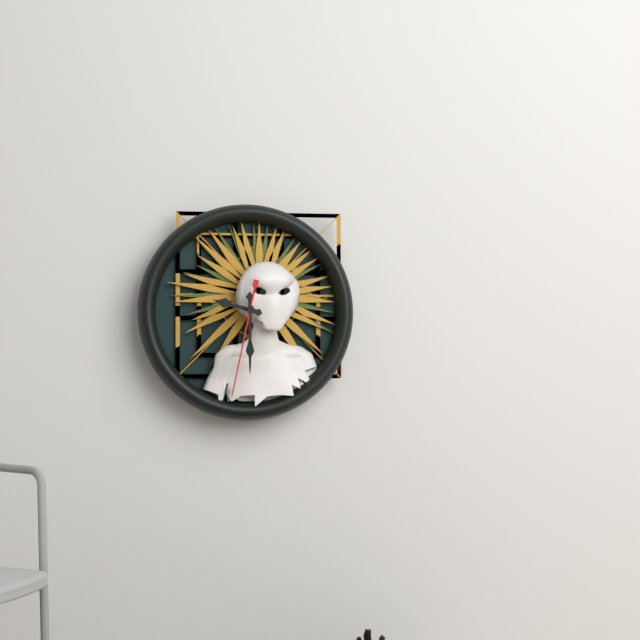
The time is 9h30m32s
